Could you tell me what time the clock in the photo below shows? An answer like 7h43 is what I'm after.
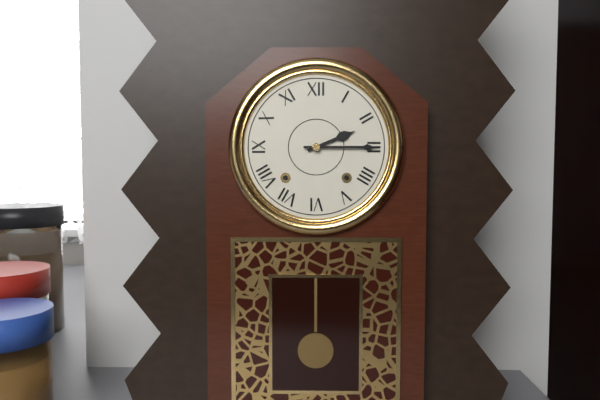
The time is 2h15
